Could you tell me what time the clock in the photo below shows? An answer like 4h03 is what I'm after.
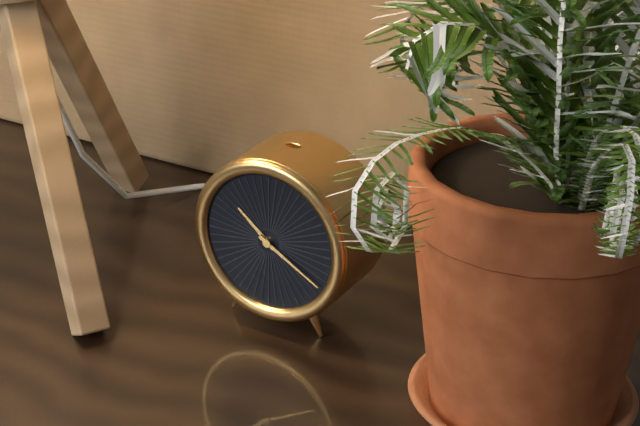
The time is 10h20
